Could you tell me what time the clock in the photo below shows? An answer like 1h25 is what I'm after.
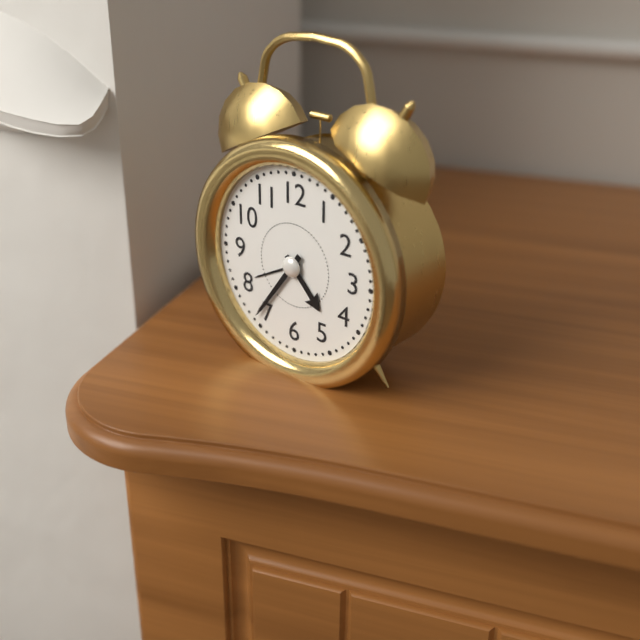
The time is 4h36
